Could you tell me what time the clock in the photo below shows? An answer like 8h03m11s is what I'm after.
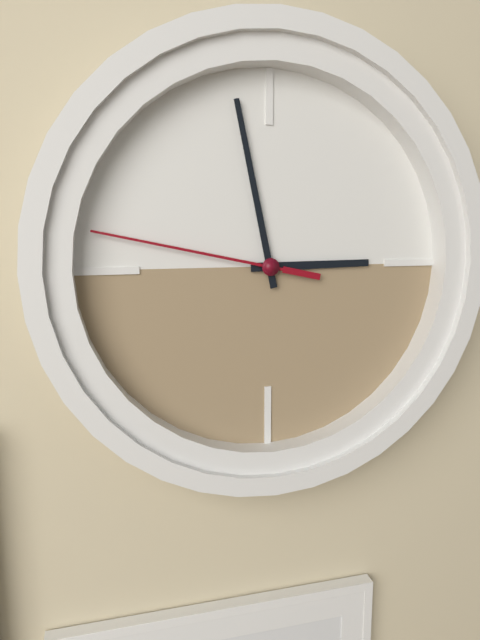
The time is 2h58m47s
